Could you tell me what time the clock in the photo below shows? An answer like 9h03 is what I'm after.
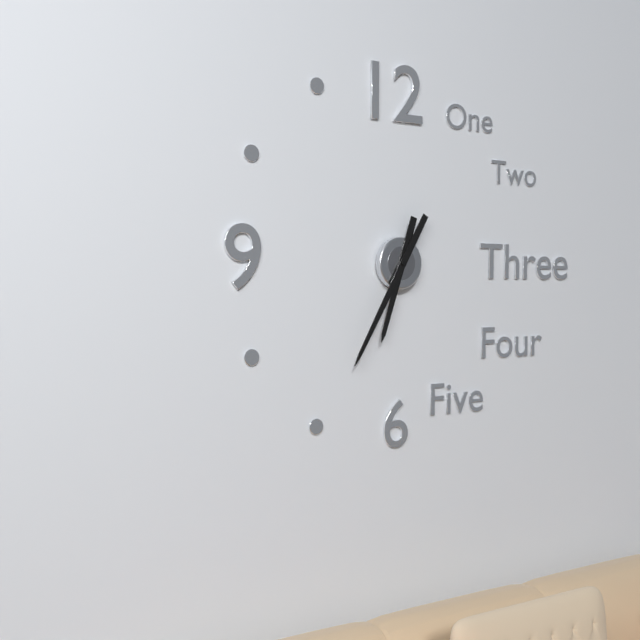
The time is 6h35
